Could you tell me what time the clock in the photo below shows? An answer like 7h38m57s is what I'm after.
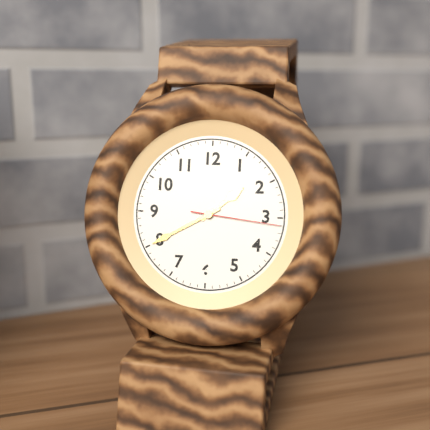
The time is 1h40m16s
